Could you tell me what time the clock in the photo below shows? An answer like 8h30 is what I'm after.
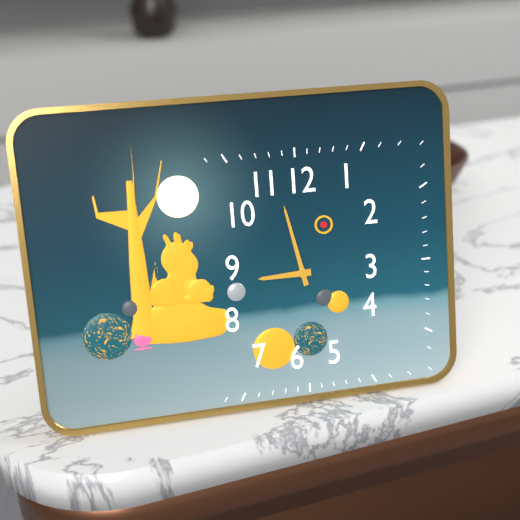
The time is 8h58
